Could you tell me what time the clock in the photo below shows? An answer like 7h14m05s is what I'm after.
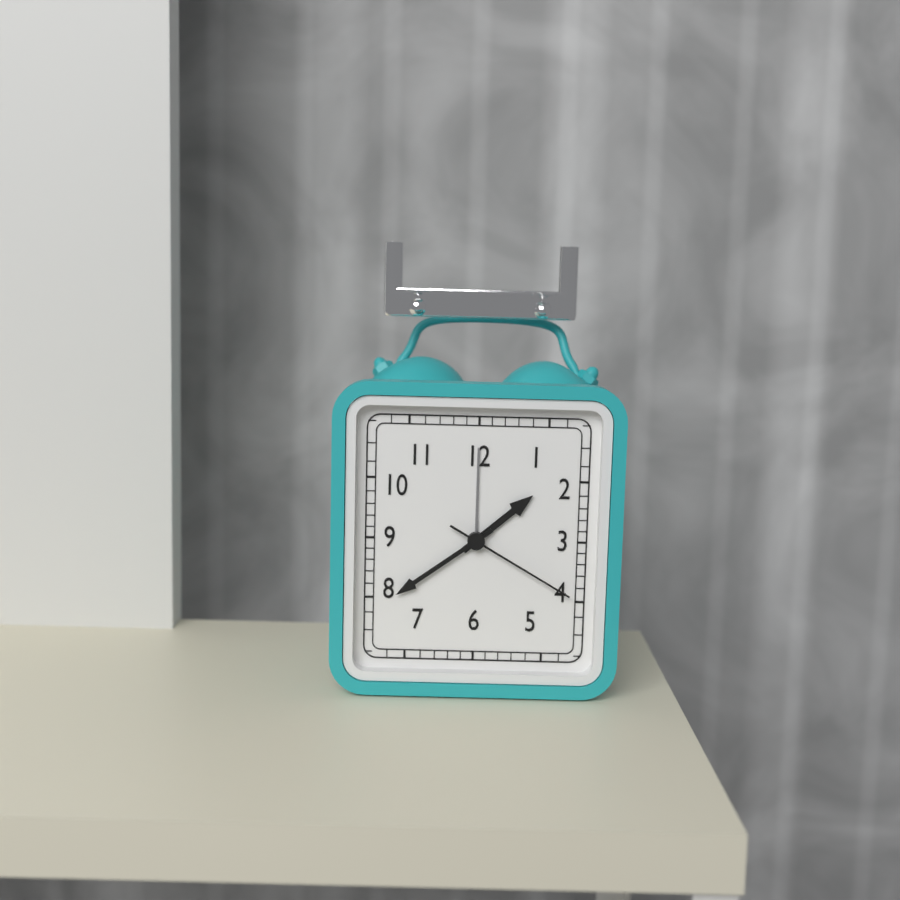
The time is 1h39m20s
